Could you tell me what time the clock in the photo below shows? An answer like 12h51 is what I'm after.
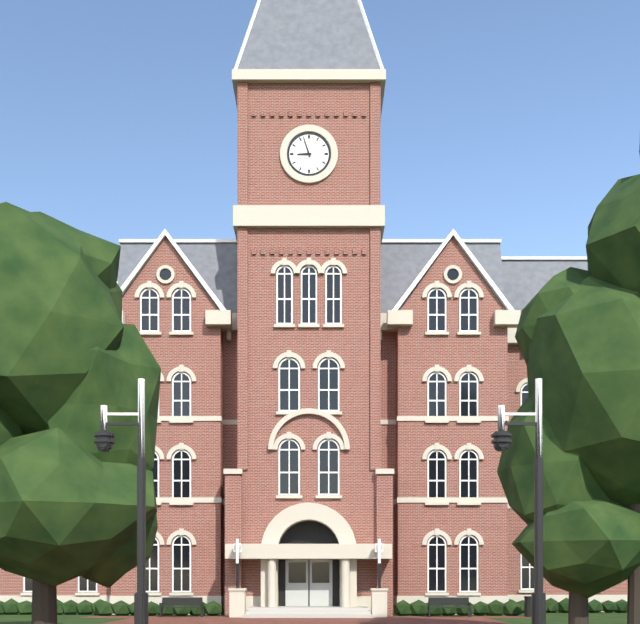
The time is 8h57
